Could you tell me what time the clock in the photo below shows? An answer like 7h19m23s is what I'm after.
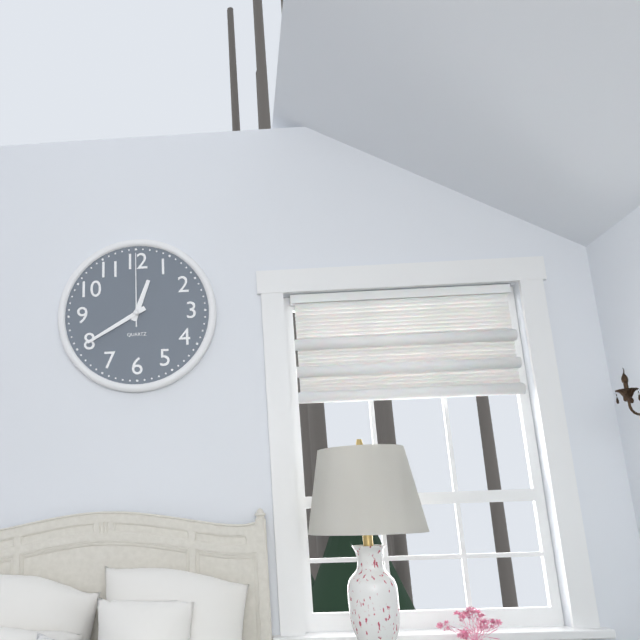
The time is 12h40m00s
